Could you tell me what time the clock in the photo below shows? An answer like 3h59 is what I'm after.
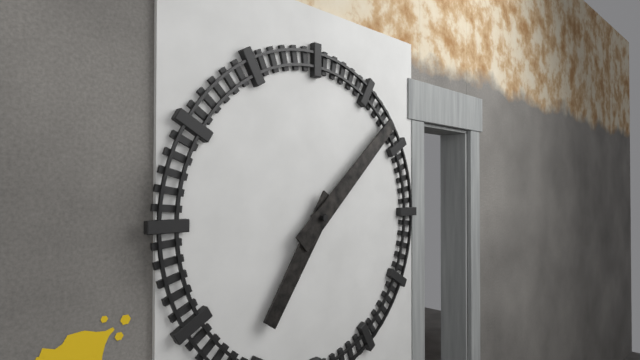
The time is 7h08
